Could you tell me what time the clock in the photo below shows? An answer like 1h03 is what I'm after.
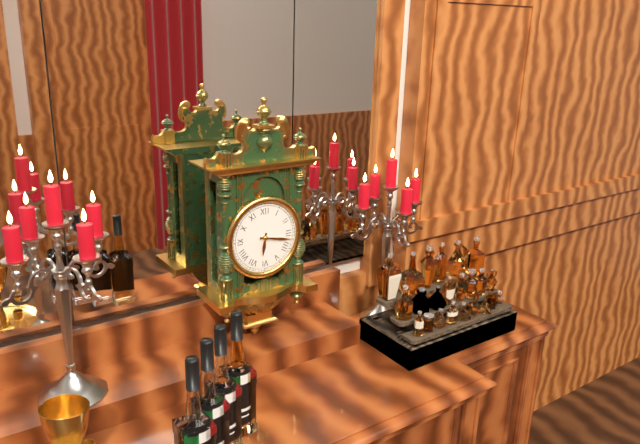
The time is 6h17
